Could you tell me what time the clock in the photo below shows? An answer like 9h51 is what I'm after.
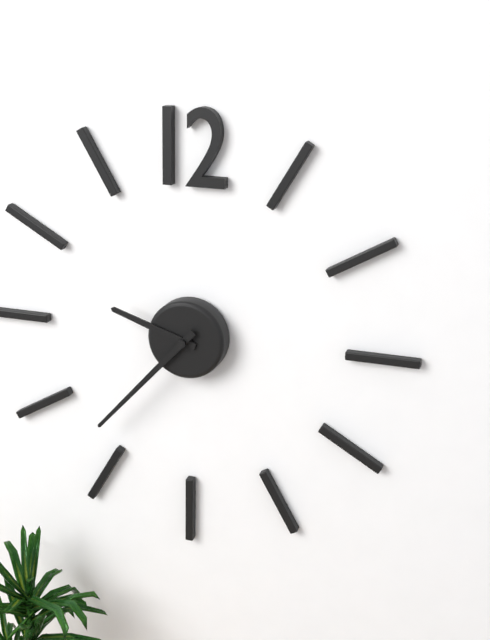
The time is 9h37
